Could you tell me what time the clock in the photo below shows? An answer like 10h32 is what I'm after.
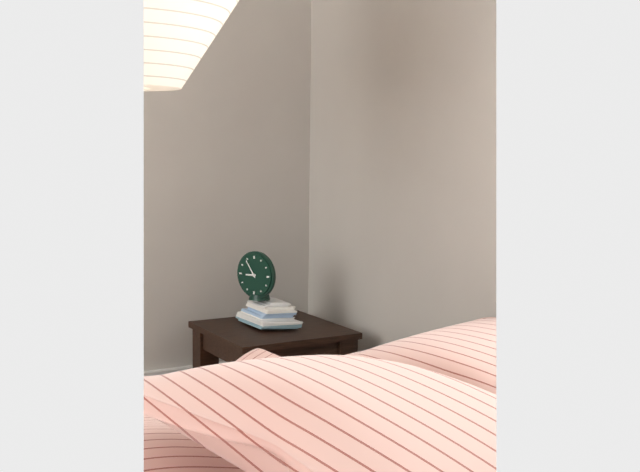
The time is 8h54
